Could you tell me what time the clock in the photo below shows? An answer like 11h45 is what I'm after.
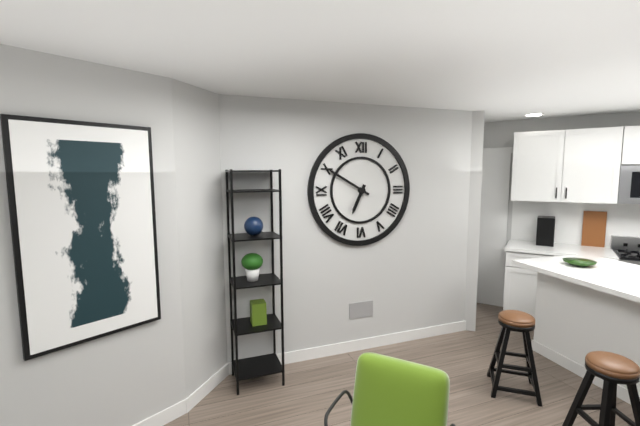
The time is 6h50
